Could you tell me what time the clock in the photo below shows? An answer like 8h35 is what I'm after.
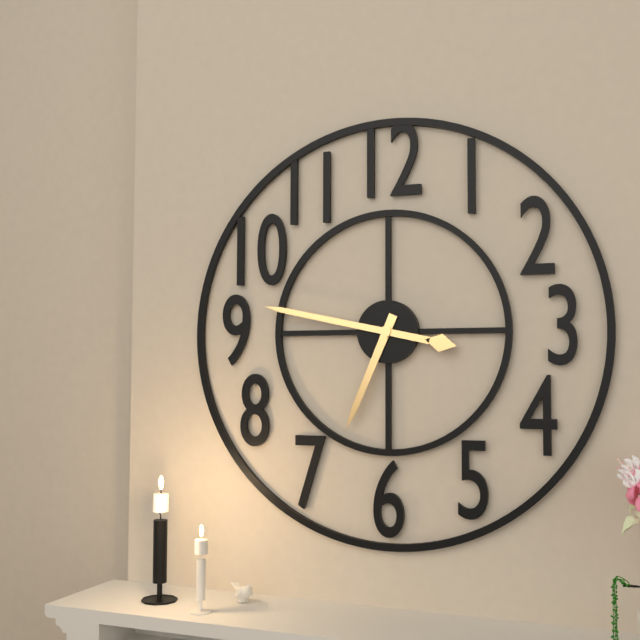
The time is 6h47
